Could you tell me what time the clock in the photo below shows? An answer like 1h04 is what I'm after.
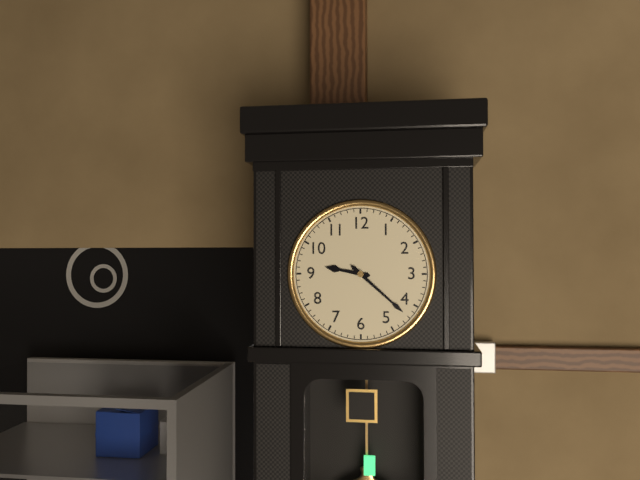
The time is 9h22
